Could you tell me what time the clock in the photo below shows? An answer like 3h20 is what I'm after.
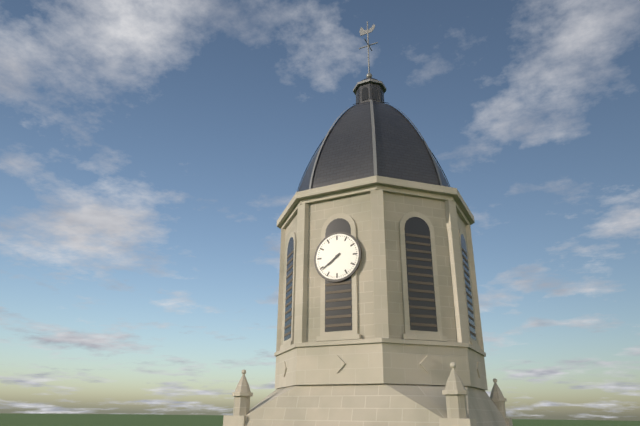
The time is 7h39
